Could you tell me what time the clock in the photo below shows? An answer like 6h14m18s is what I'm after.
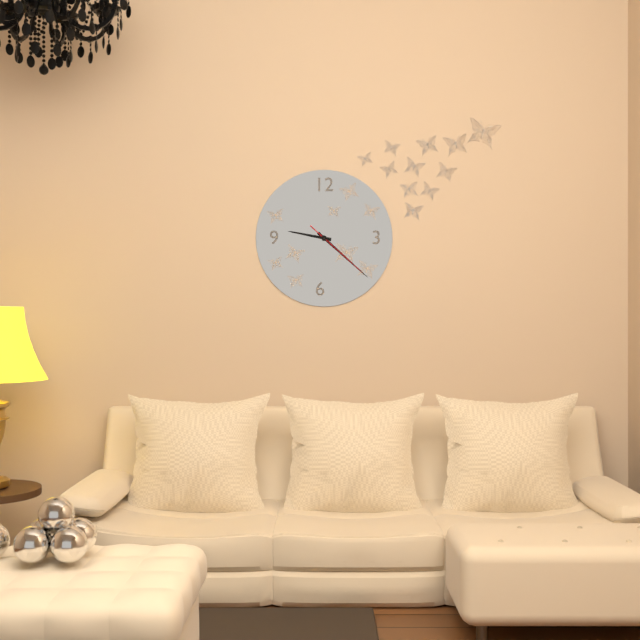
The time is 9h22m22s
